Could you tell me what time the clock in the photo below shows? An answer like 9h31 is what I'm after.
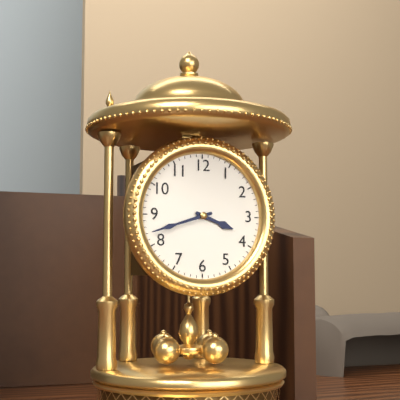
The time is 3h42
